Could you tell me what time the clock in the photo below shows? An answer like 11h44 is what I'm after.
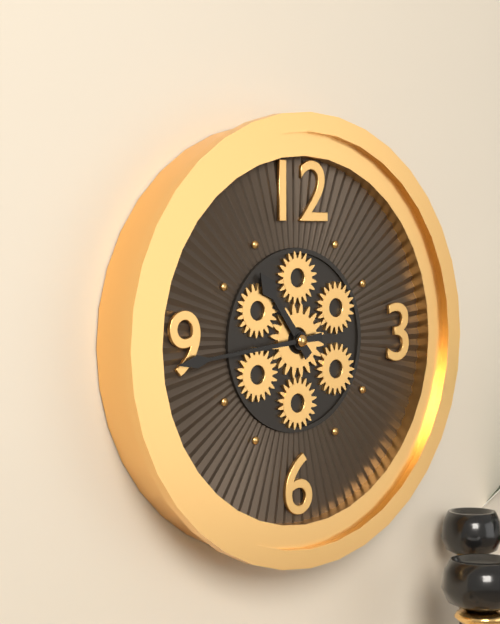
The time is 10h44
